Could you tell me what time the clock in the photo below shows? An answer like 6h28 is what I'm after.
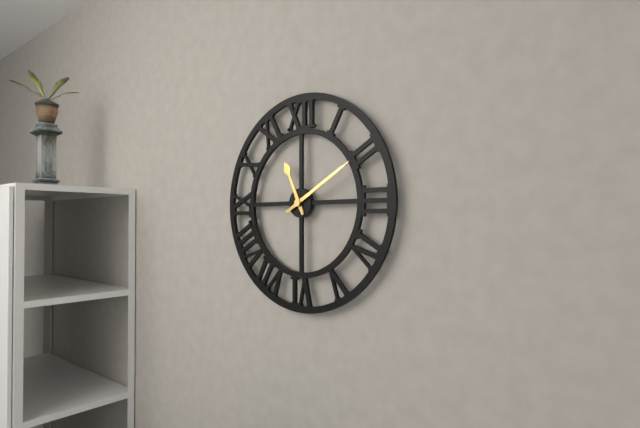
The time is 11h10
